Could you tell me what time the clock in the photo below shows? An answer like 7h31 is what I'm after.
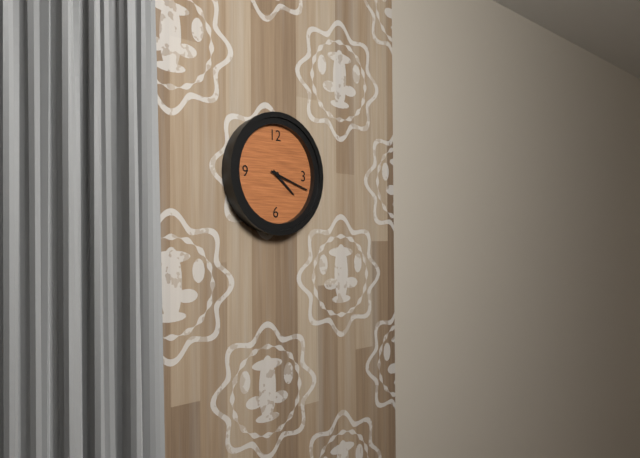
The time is 4h18
